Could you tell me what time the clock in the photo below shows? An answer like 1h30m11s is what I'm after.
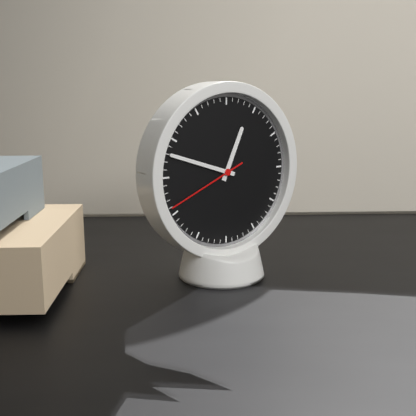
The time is 12h48m41s
